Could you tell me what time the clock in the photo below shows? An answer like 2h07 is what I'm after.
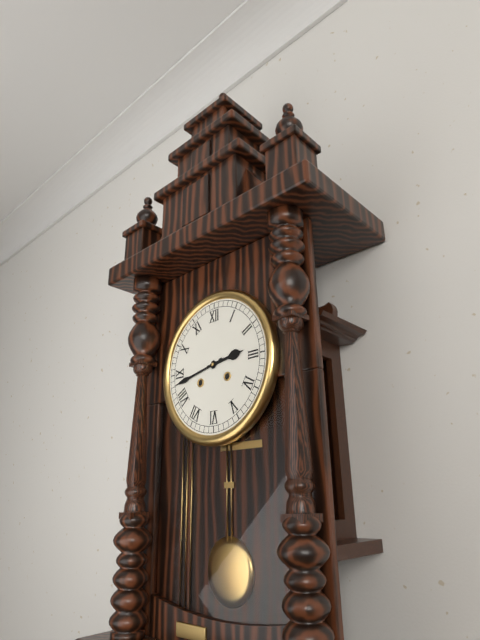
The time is 2h43
